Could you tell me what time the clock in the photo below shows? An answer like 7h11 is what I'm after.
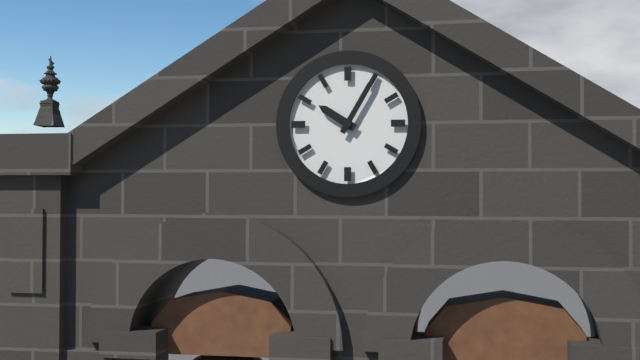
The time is 10h05
